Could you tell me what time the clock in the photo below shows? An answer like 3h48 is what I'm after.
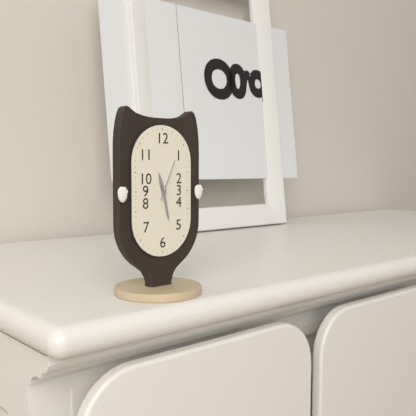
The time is 11h28
